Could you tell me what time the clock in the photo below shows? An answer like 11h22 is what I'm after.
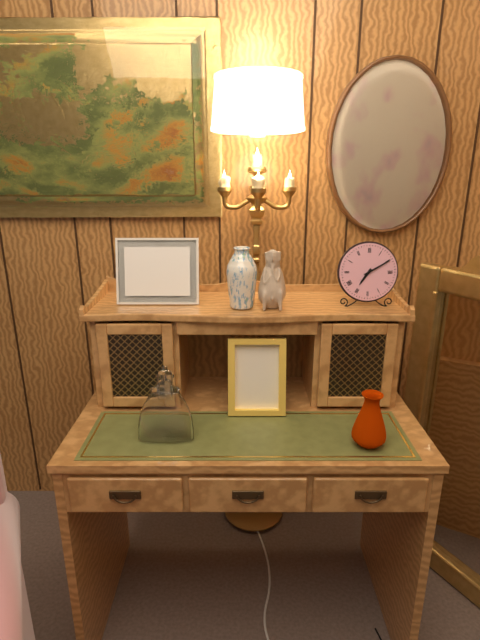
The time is 7h10
